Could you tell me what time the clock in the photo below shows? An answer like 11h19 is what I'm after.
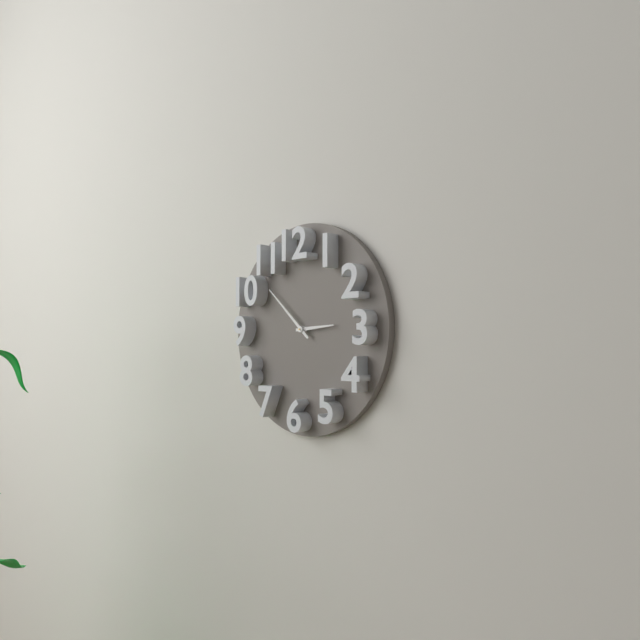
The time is 2h52
